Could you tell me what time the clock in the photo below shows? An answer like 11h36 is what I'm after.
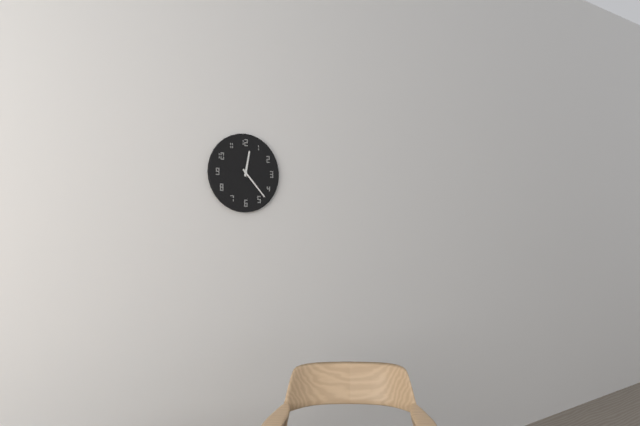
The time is 12h23
